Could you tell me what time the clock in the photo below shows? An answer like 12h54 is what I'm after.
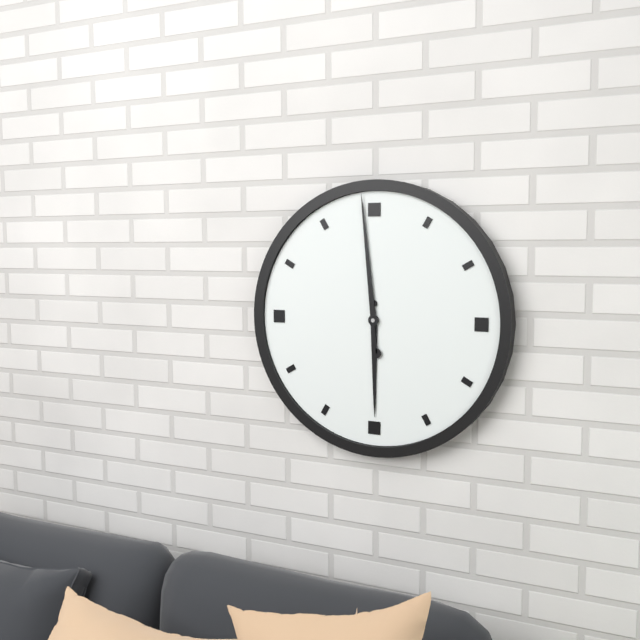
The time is 5h59
